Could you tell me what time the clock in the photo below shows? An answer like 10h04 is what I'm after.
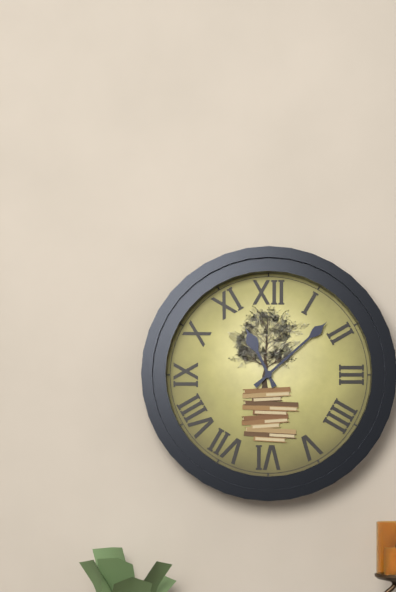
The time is 11h08
